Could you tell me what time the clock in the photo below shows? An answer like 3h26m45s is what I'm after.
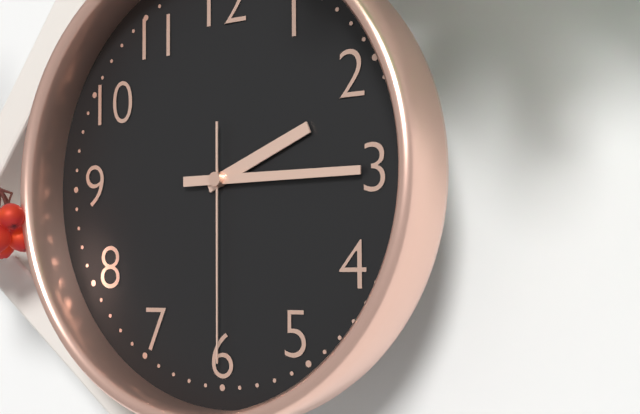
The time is 2h15m30s
